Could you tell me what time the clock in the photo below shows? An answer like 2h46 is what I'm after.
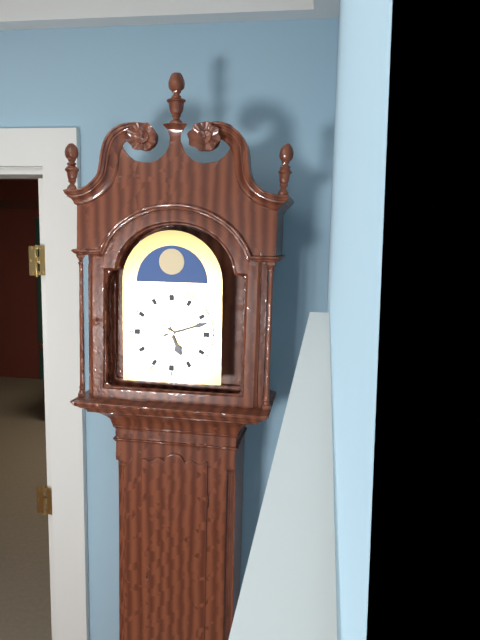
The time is 5h12
